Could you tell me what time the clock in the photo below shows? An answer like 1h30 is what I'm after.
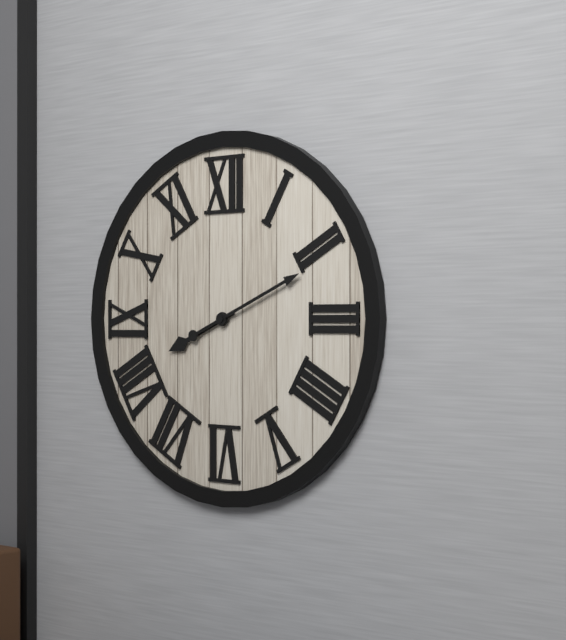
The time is 8h11
